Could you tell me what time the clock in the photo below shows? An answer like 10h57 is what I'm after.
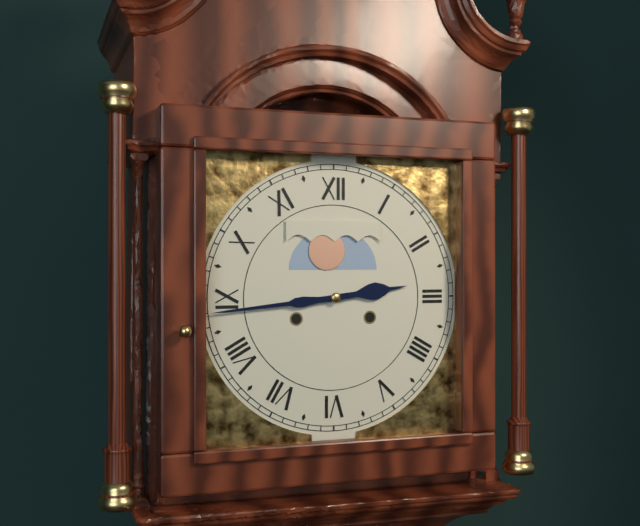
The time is 2h44
